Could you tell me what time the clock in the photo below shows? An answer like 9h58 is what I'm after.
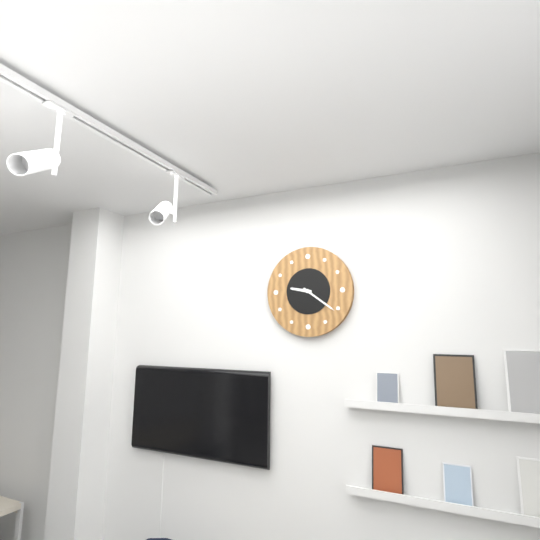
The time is 9h21
